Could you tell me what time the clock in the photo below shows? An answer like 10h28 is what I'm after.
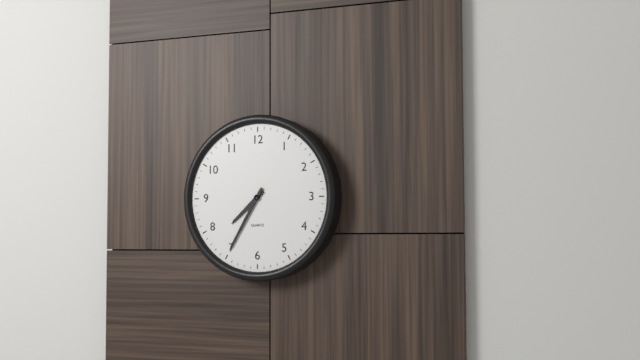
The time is 7h35
